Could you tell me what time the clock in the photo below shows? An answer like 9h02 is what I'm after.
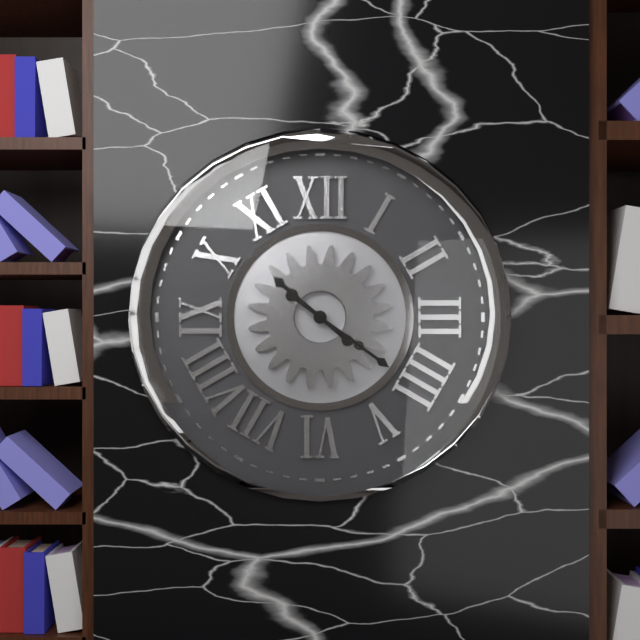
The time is 10h21
